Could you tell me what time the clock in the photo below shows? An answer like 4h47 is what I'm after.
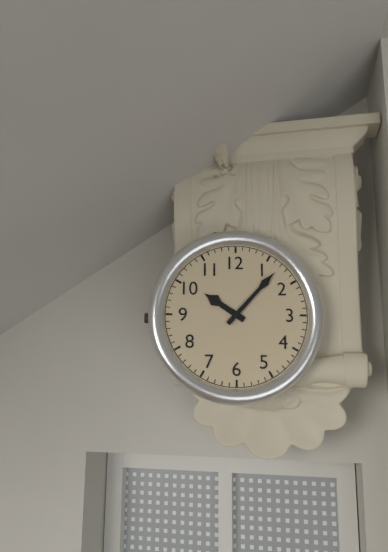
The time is 10h07
